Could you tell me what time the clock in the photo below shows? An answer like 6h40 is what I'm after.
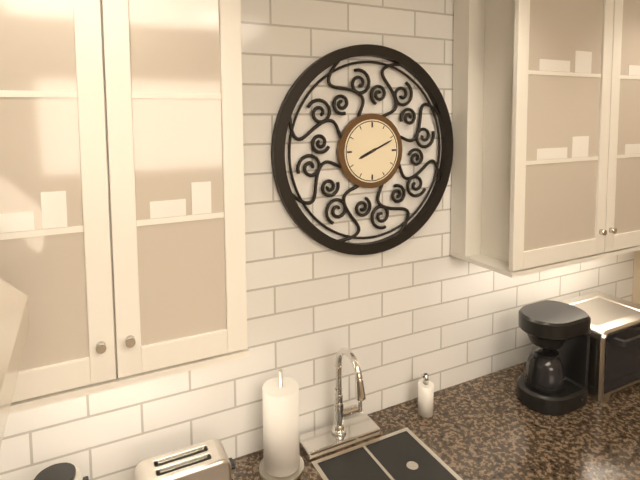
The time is 8h11
